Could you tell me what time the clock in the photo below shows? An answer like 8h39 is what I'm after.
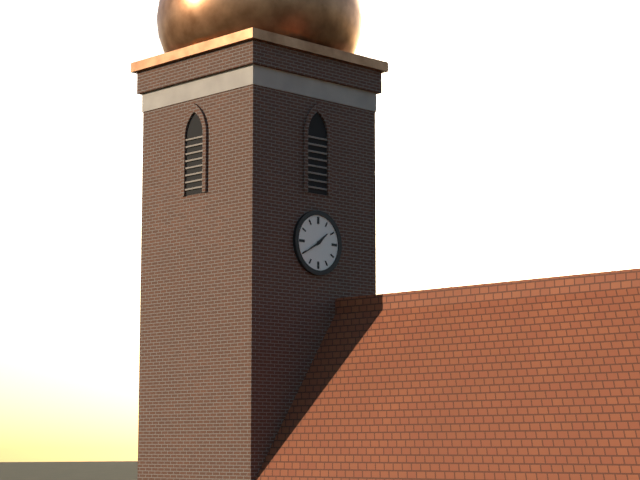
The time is 1h40
